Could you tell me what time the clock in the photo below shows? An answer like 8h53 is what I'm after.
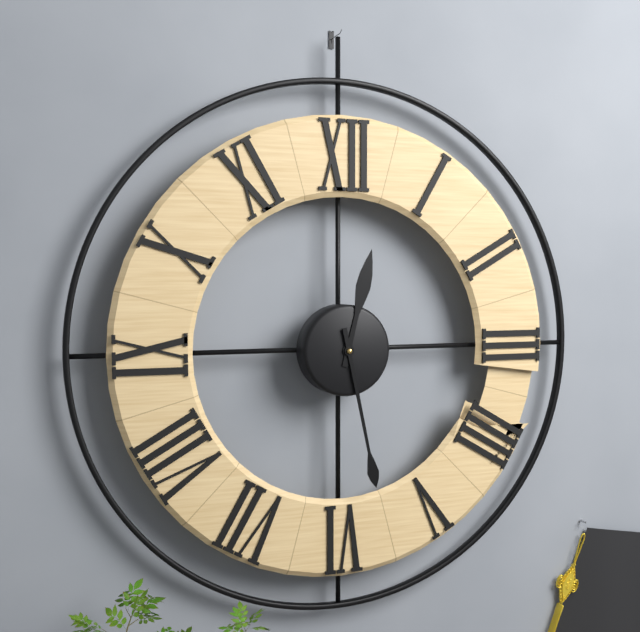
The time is 12h28
